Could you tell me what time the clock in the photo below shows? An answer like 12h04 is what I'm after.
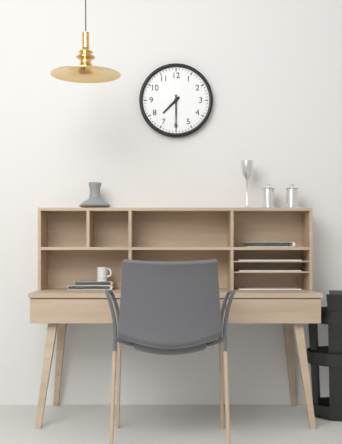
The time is 7h30
